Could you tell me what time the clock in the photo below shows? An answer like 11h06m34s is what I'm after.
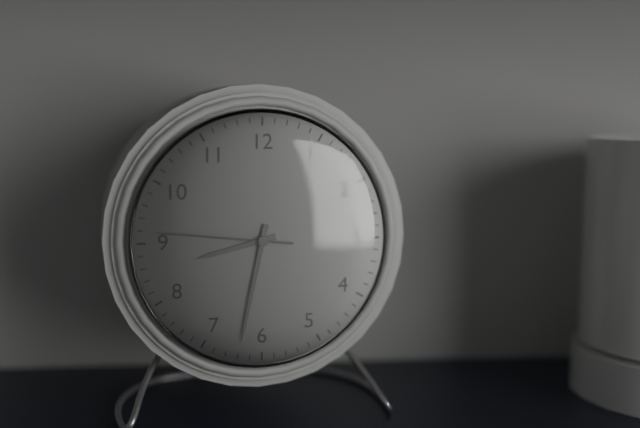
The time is 8h32m46s
